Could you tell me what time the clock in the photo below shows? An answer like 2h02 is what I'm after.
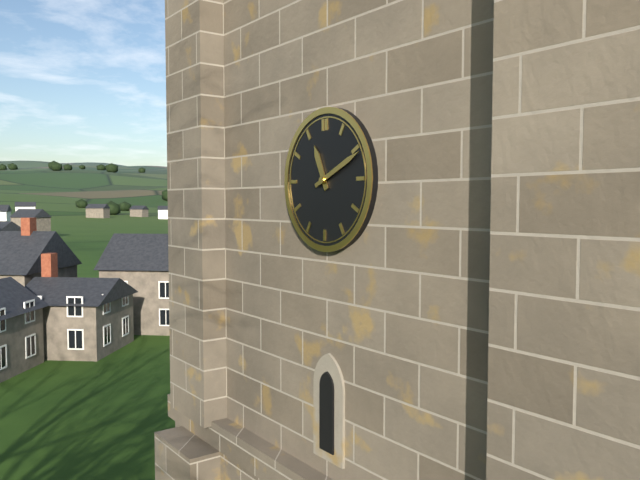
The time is 11h11
